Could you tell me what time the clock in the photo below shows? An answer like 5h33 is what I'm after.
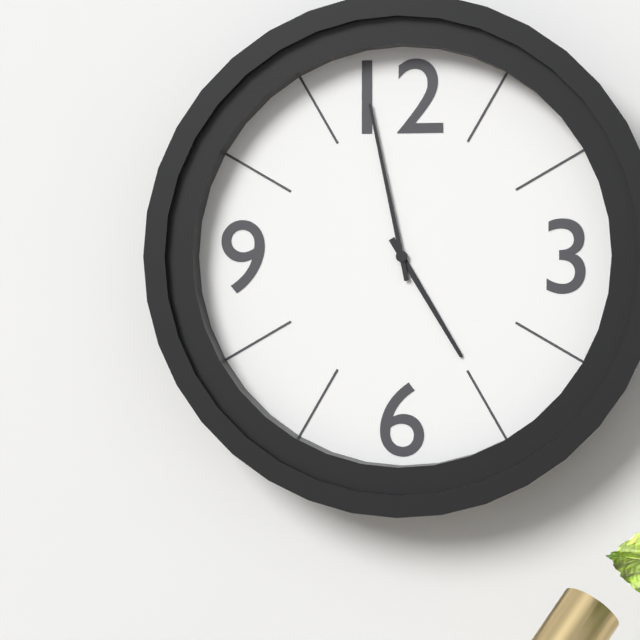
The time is 4h58
